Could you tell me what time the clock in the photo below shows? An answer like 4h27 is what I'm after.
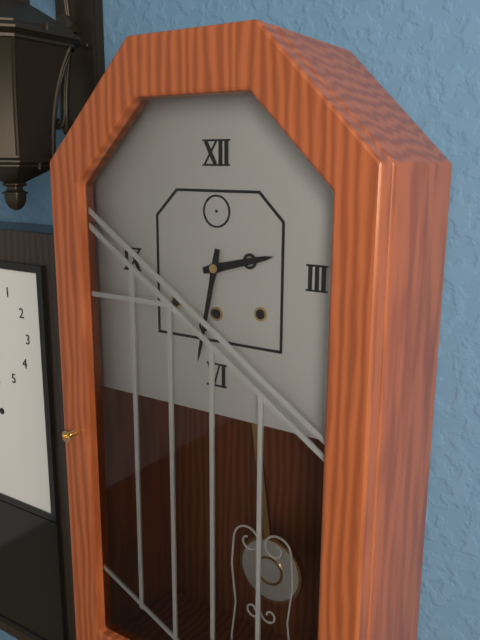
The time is 2h32
